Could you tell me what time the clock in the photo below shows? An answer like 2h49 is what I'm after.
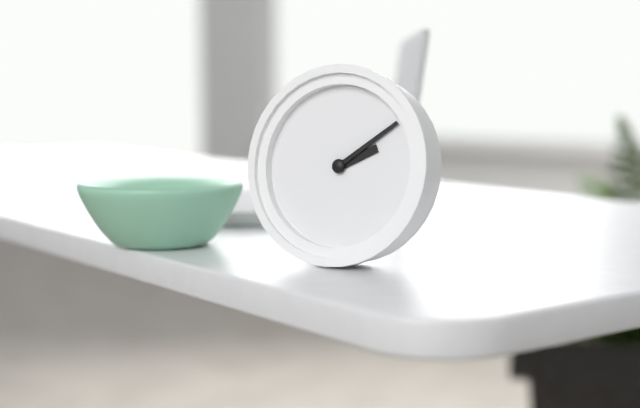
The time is 2h09
